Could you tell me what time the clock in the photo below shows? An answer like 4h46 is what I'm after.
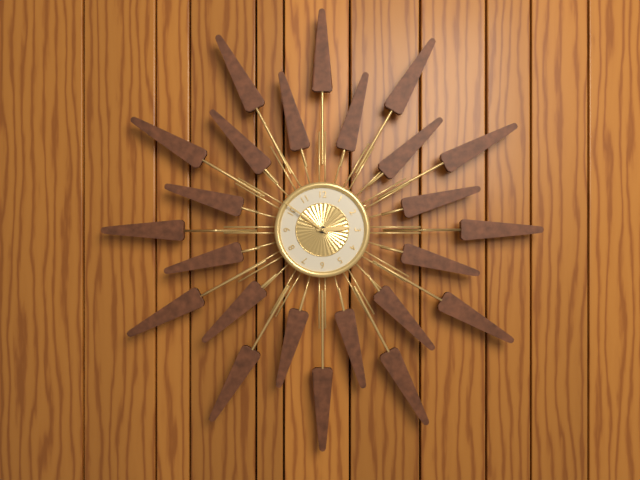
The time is 2h51
